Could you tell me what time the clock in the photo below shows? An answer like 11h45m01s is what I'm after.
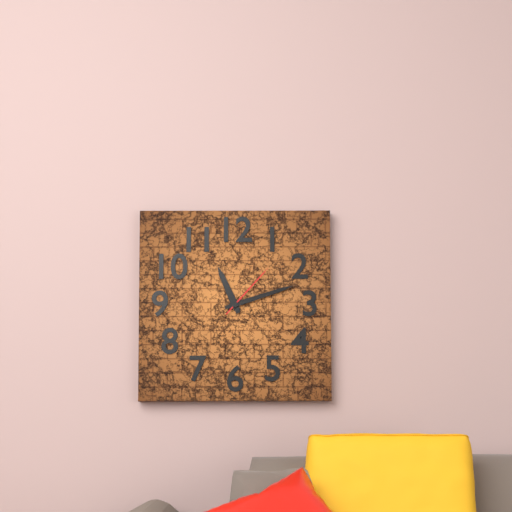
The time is 11h12m07s
